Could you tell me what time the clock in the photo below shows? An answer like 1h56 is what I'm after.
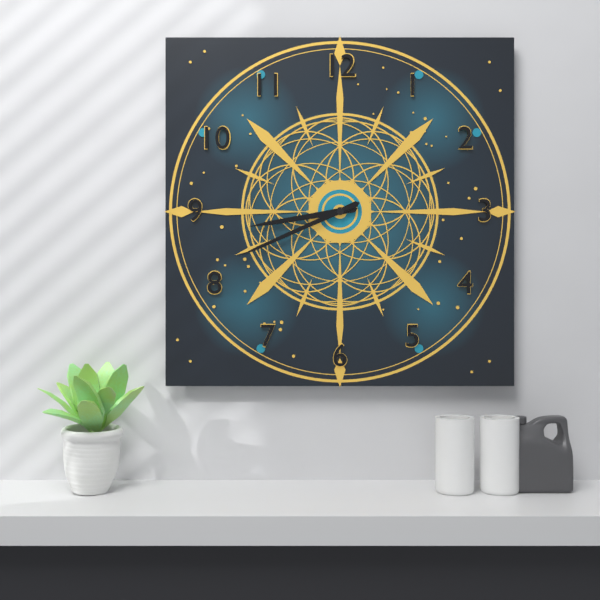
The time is 8h41
